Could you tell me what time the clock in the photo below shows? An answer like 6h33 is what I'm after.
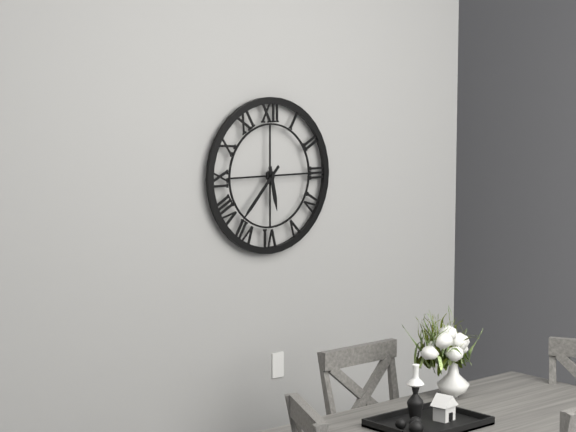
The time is 5h37
